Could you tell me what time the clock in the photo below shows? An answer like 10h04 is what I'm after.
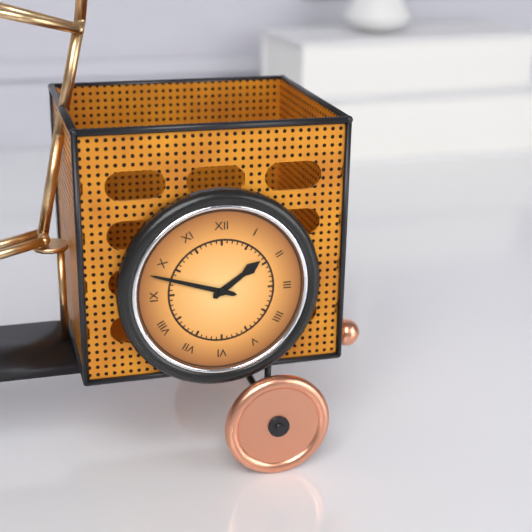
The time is 1h48
